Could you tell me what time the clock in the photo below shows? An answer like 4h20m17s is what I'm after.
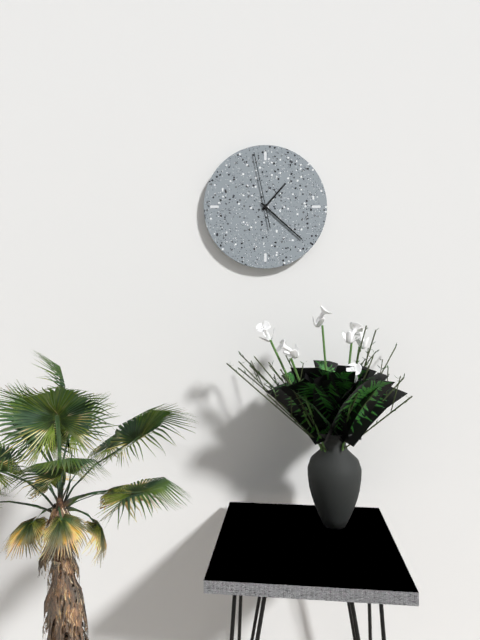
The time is 1h22m58s
